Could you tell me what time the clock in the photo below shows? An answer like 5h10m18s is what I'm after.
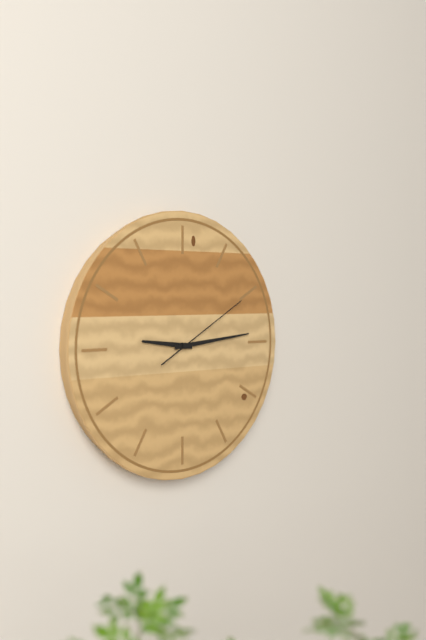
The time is 9h14m10s
